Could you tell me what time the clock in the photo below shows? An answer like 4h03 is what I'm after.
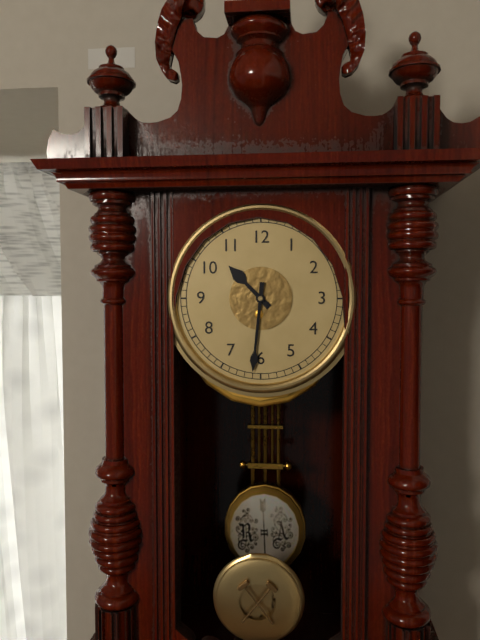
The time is 10h31
